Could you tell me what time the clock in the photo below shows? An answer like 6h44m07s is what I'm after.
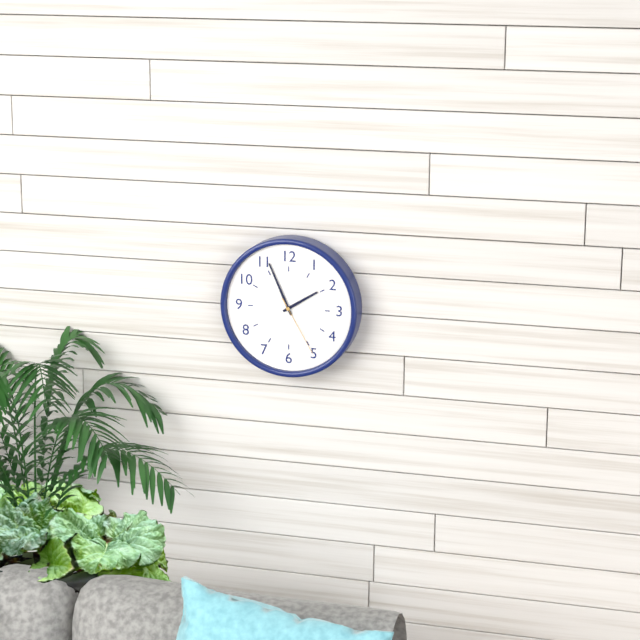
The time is 1h56m25s
